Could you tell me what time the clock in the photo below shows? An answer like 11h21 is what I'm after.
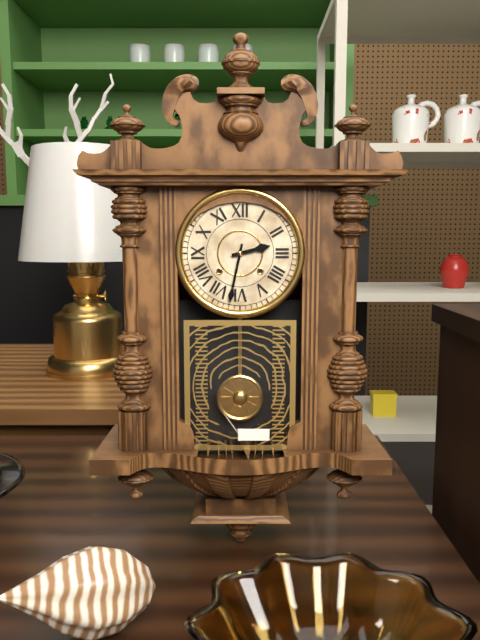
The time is 2h32
